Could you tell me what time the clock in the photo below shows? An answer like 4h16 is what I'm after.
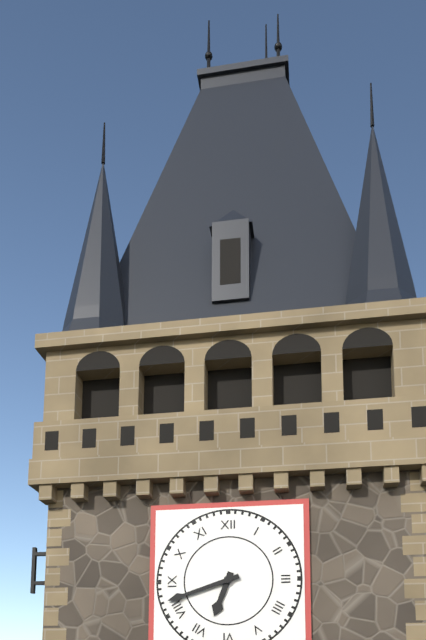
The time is 6h42
